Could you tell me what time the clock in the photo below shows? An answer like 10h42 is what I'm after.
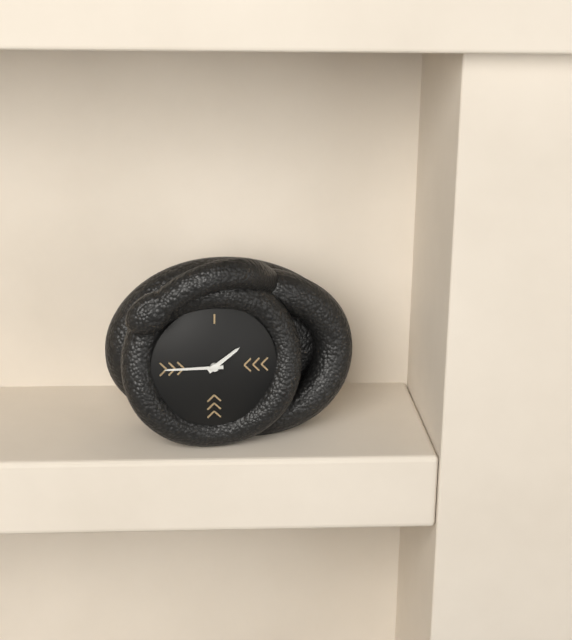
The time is 1h45
